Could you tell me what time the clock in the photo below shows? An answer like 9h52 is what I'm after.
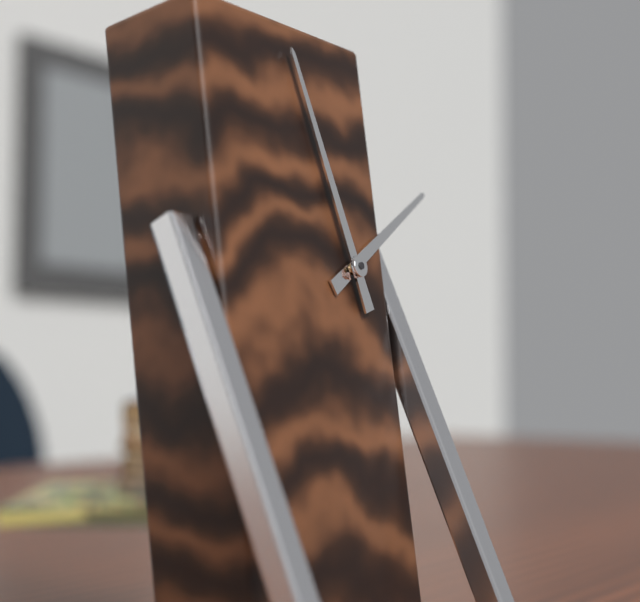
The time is 1h57
